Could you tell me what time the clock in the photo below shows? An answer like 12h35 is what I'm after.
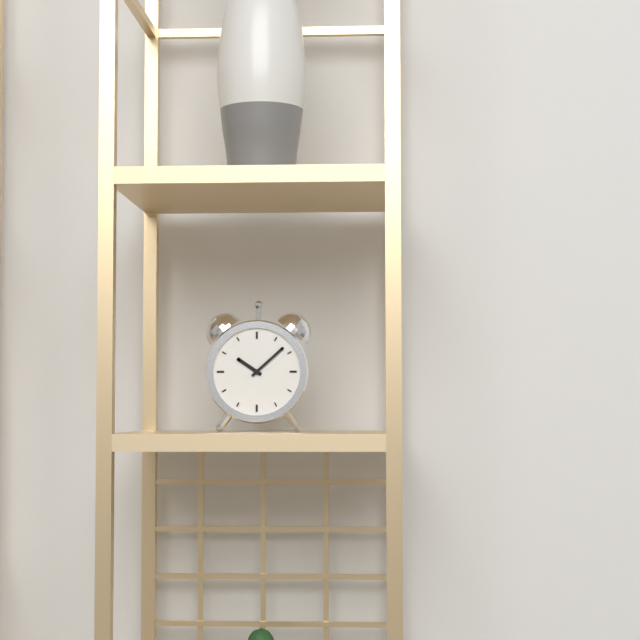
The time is 10h08
